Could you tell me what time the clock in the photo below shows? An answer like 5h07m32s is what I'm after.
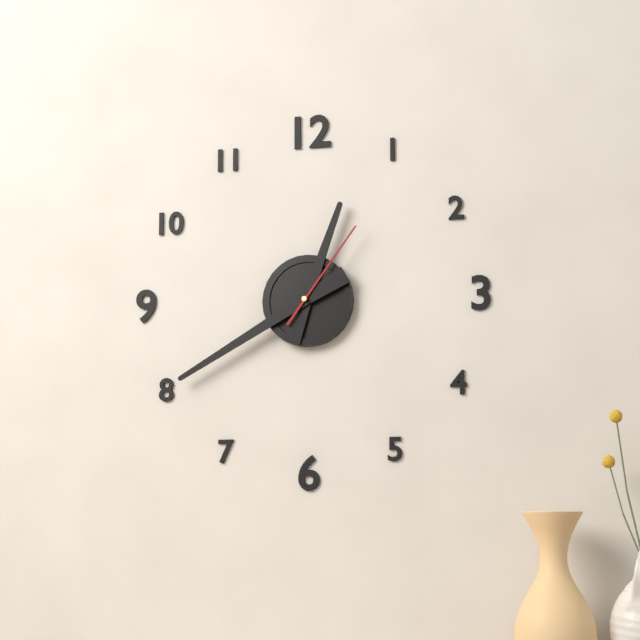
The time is 12h40m06s
